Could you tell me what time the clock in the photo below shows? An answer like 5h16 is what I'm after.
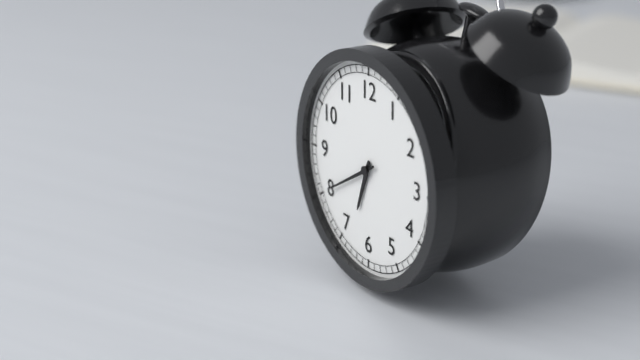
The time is 6h40
